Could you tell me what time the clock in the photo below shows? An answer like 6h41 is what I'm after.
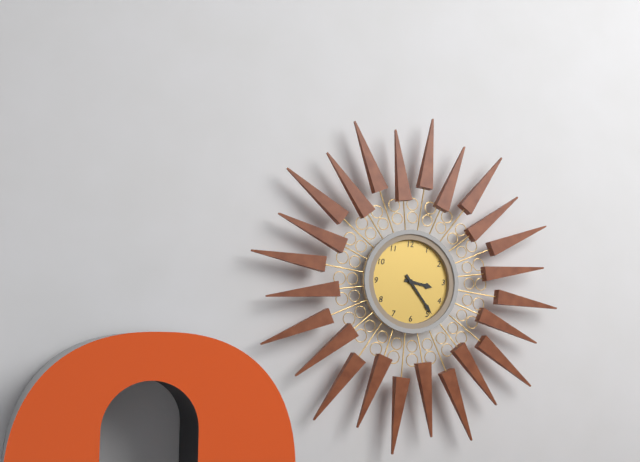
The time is 3h24
